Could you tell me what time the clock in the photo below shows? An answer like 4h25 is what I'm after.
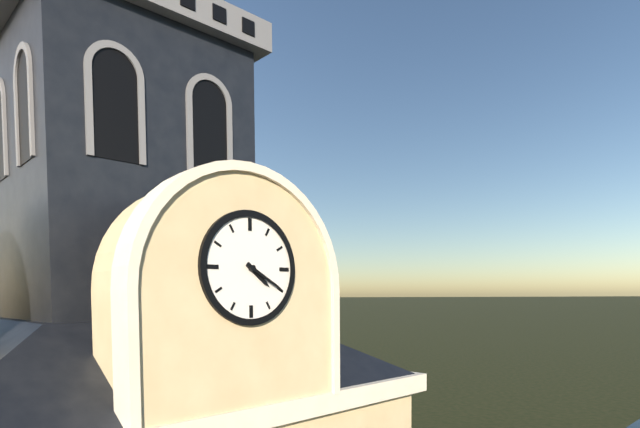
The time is 4h20
